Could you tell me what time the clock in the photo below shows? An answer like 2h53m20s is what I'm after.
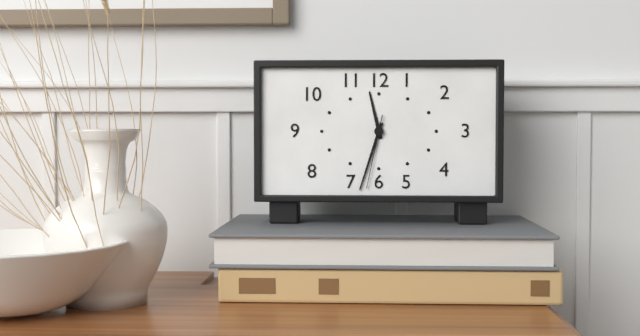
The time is 11h33m32s
